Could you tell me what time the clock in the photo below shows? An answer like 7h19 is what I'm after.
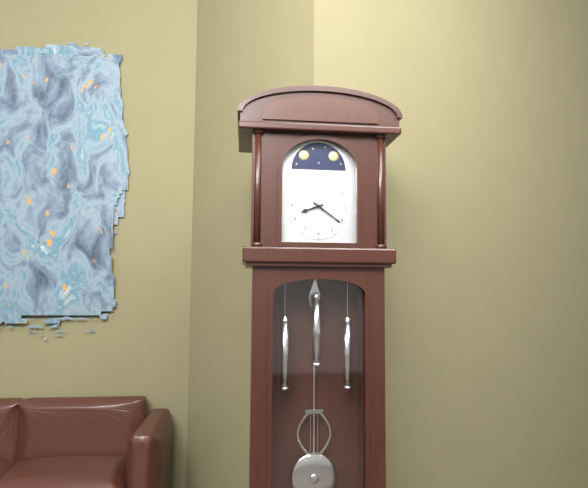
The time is 8h21
